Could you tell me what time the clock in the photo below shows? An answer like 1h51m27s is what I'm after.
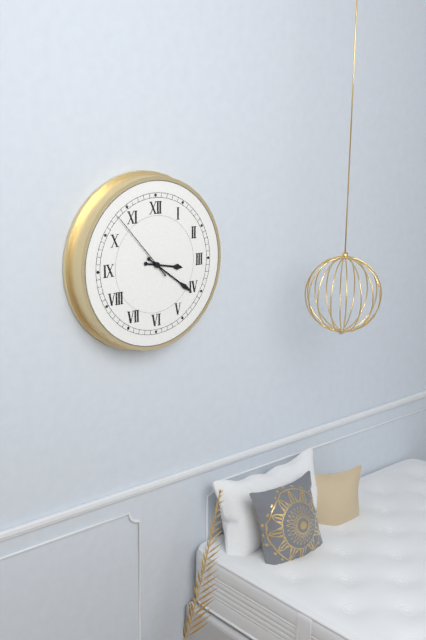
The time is 3h21m53s
